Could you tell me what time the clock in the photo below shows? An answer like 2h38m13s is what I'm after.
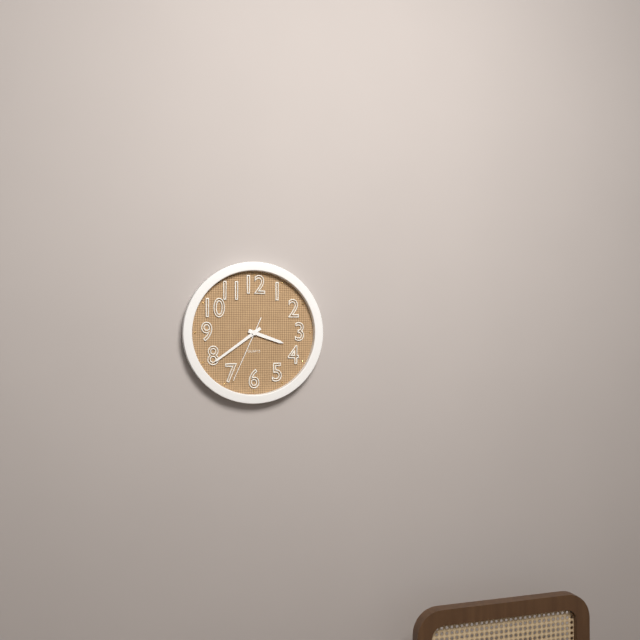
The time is 3h39m34s
